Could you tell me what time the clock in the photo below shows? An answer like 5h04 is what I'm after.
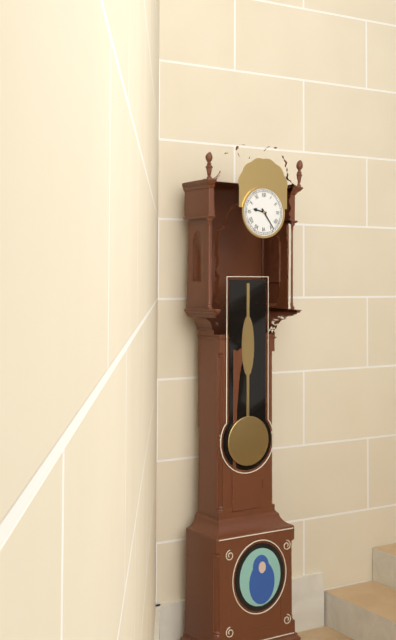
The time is 9h24
